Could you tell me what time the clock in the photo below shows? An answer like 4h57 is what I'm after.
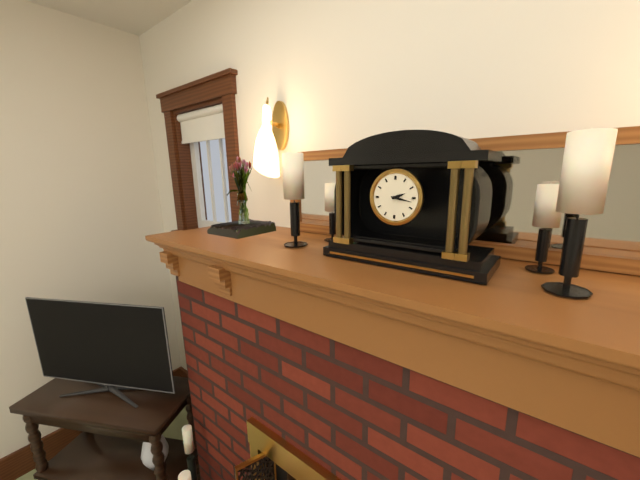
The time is 2h17
